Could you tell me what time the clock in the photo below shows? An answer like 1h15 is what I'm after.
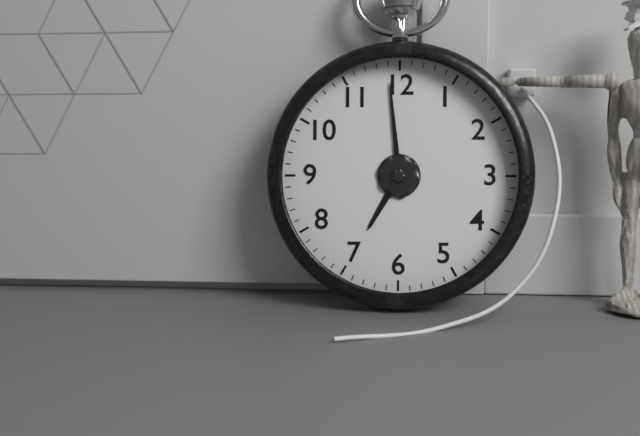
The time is 6h59
